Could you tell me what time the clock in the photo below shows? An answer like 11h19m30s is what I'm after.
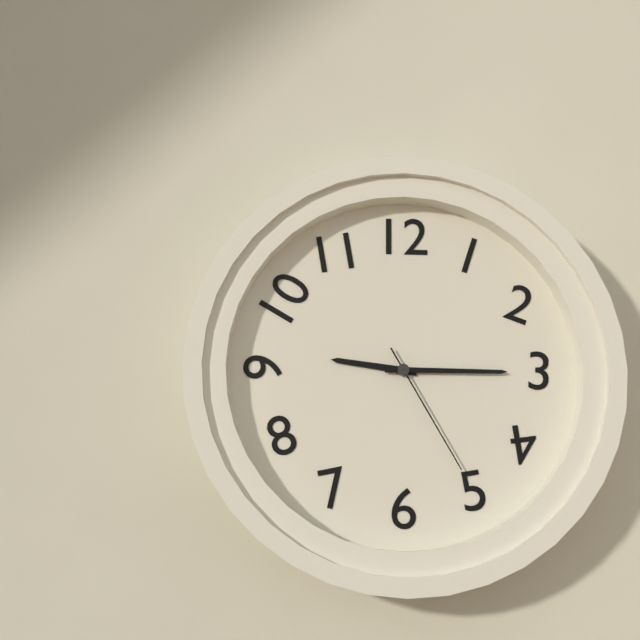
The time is 9h15m25s
